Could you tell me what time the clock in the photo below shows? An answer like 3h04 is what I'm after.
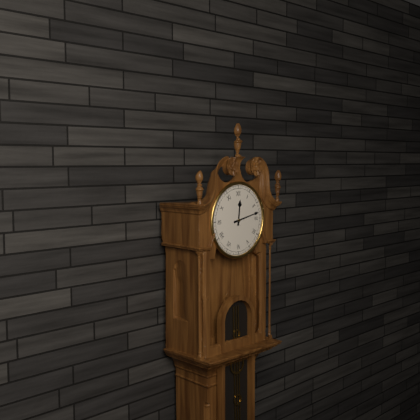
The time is 12h13
